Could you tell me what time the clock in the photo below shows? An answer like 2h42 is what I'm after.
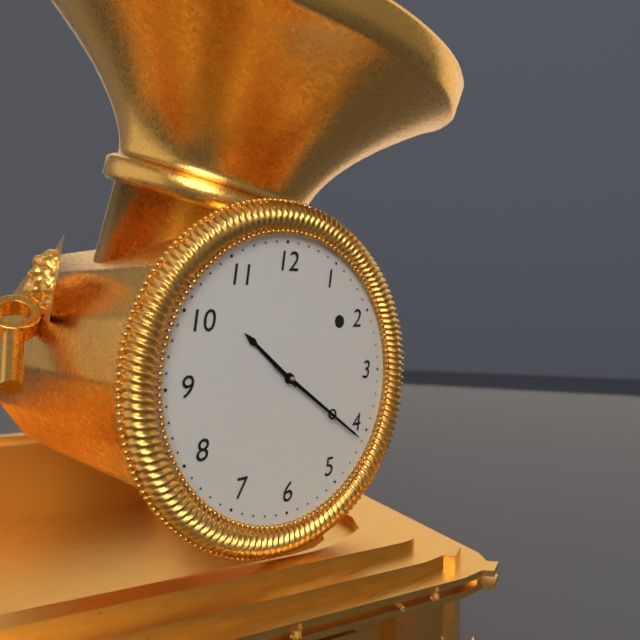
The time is 10h21
